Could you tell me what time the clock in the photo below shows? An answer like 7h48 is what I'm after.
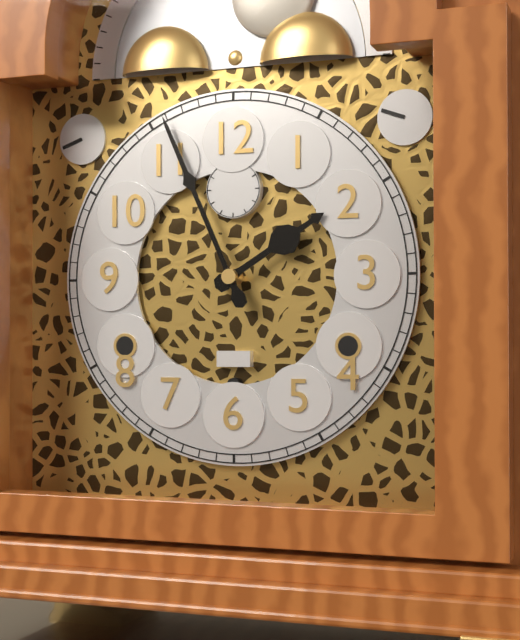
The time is 1h56
